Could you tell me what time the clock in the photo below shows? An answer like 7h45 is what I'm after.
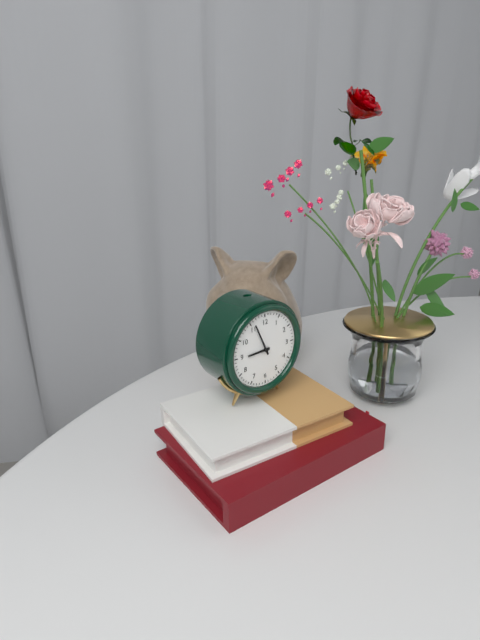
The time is 8h56
